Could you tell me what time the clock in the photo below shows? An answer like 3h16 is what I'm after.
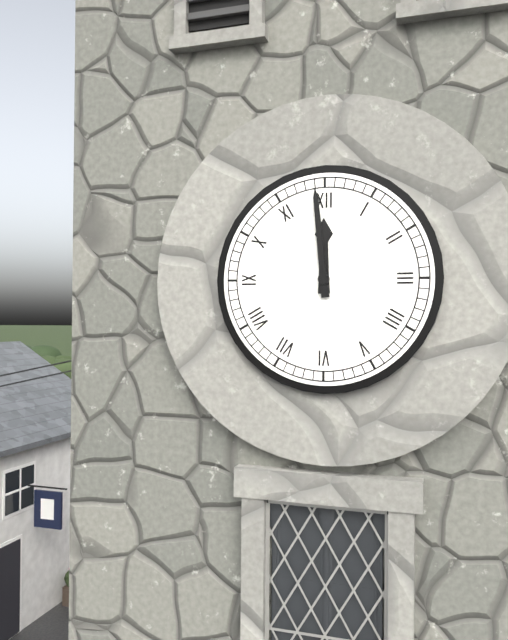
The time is 11h59
